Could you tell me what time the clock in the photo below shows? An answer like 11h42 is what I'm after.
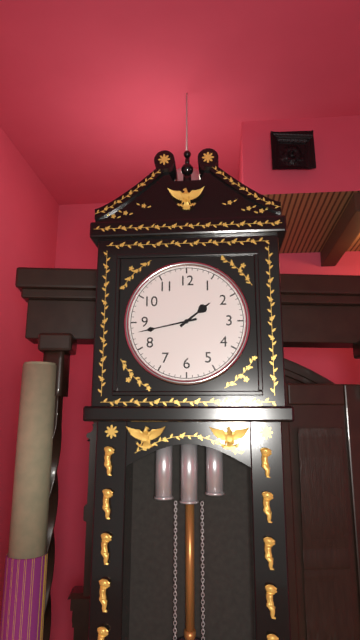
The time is 1h43
